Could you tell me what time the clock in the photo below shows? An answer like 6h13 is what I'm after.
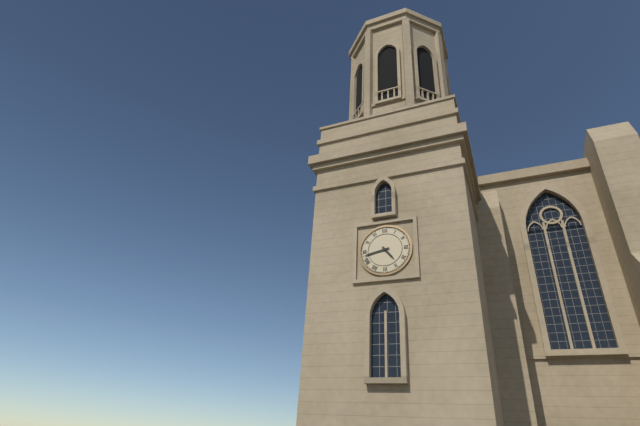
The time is 4h43
